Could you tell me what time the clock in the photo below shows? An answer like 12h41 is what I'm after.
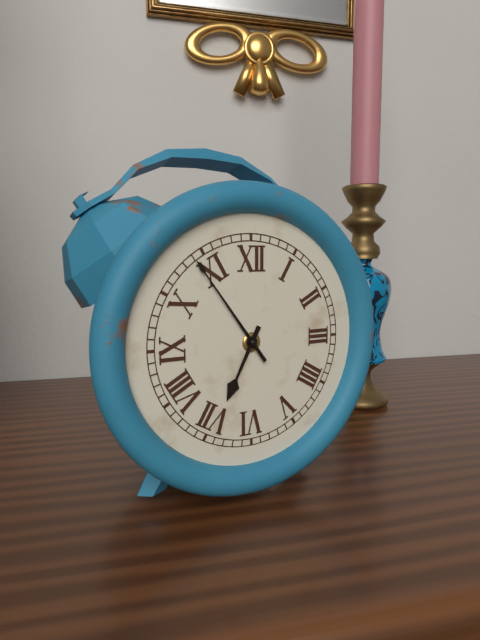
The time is 6h54
